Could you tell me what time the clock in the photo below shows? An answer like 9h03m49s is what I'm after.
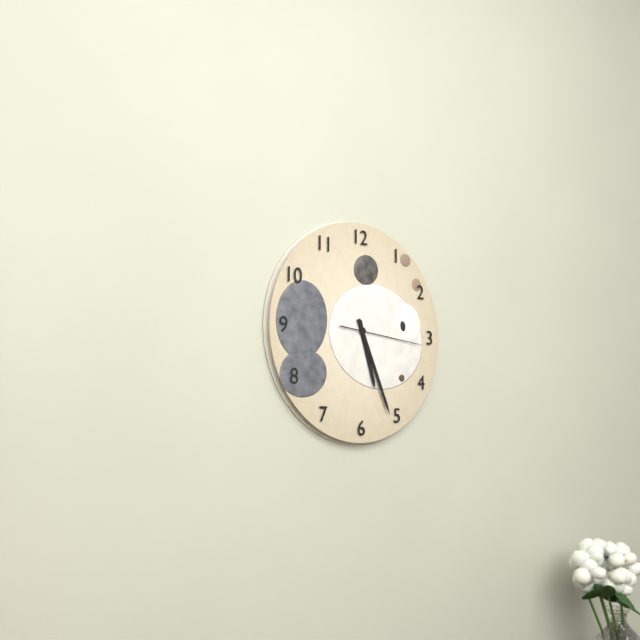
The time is 5h26m16s
